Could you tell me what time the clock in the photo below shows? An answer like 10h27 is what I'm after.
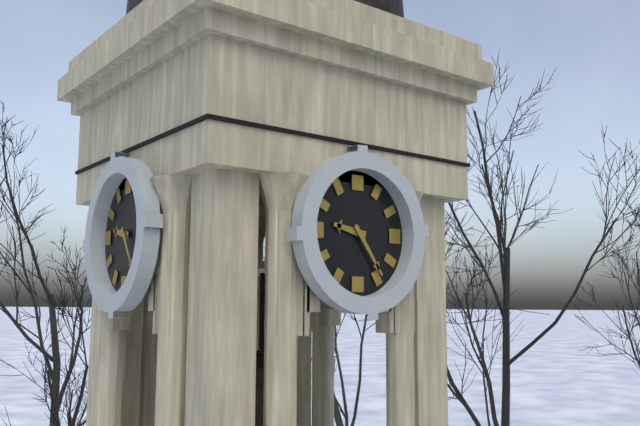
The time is 9h24
